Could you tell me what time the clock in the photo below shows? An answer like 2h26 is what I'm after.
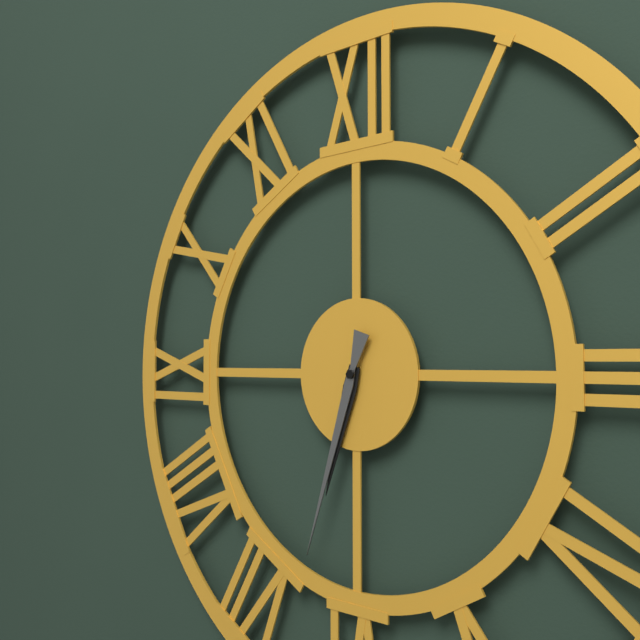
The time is 6h33
